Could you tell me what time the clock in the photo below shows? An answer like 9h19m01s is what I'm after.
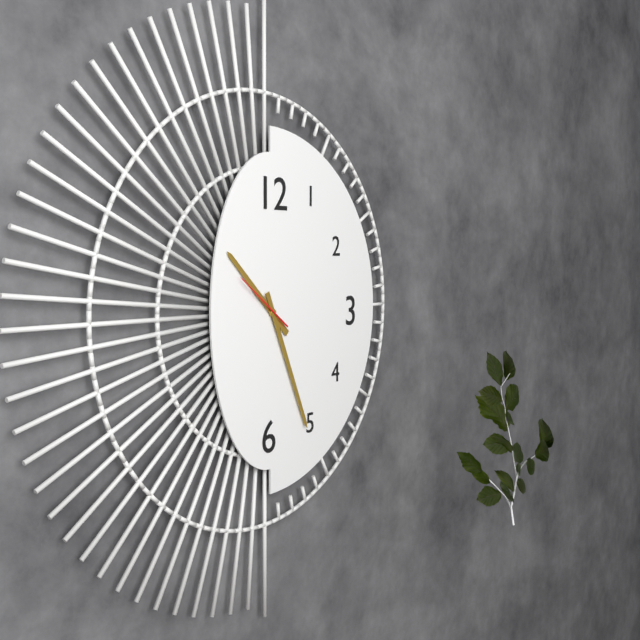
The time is 10h26m51s
